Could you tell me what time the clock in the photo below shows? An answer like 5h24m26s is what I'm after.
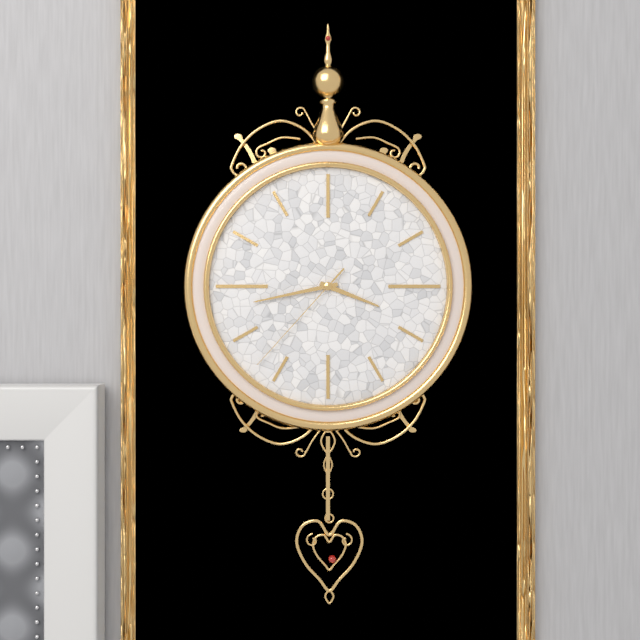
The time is 3h43m37s
